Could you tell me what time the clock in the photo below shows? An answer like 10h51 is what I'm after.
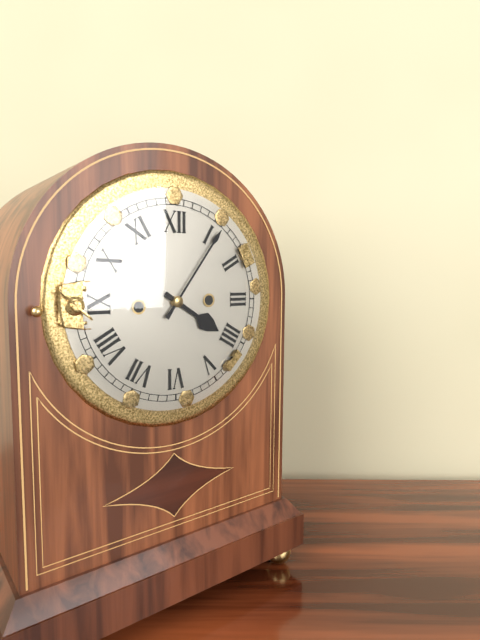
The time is 4h06
